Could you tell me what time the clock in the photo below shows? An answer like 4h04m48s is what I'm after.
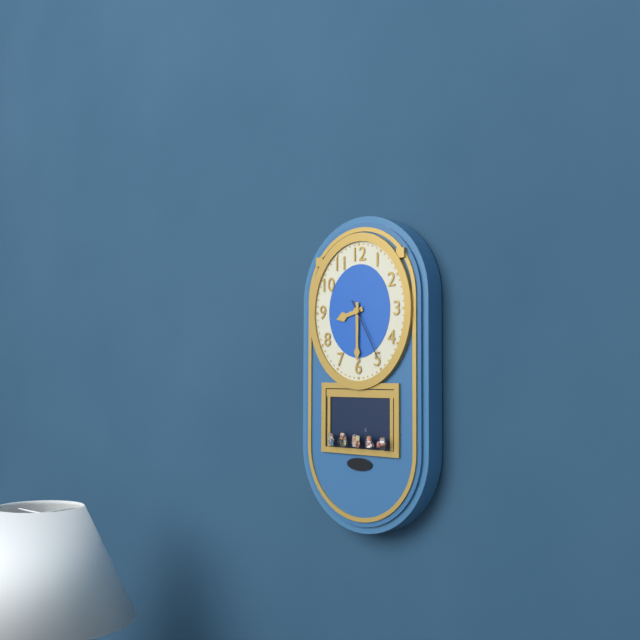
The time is 8h30m25s
